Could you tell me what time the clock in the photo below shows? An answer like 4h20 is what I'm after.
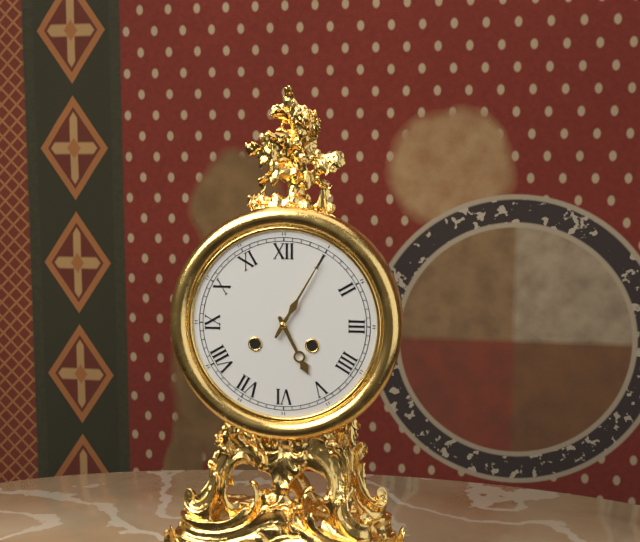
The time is 5h05
